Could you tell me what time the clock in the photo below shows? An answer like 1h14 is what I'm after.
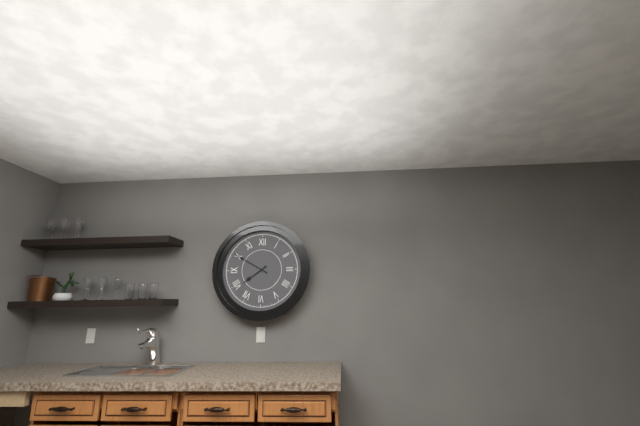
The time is 7h50
